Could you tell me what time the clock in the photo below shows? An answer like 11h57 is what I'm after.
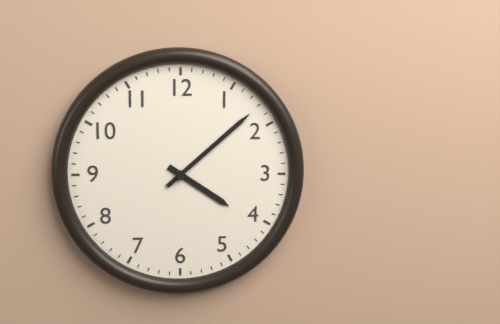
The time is 4h08
